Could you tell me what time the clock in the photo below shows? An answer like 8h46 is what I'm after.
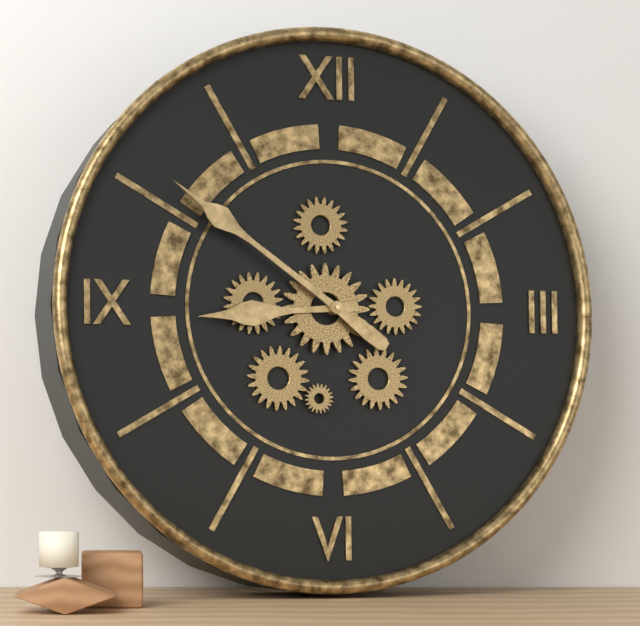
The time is 8h51
